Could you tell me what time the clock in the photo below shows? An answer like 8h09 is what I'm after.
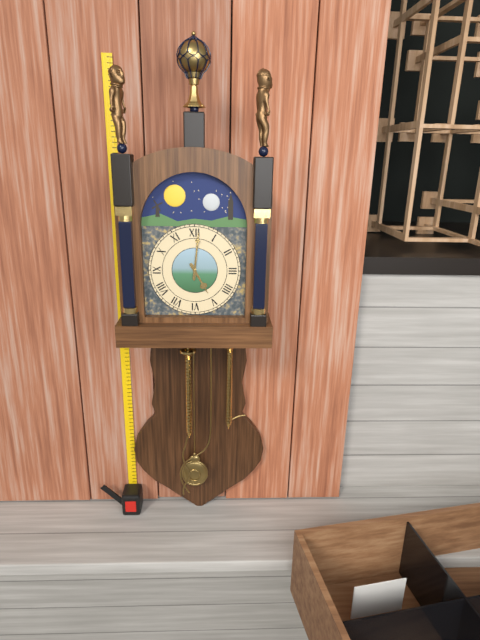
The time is 5h01
